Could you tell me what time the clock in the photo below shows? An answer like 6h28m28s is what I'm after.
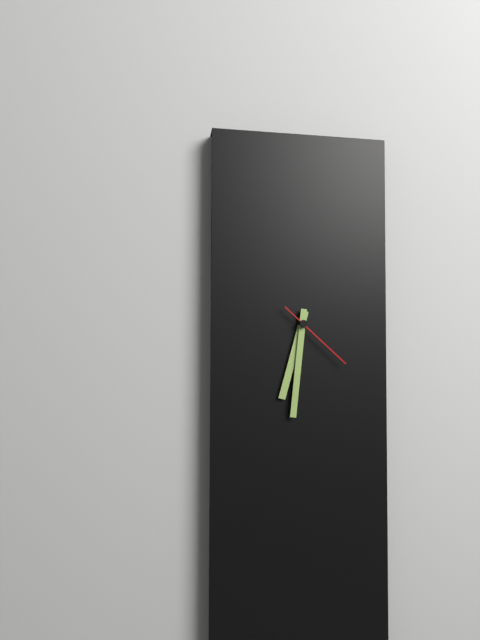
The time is 6h31m22s
